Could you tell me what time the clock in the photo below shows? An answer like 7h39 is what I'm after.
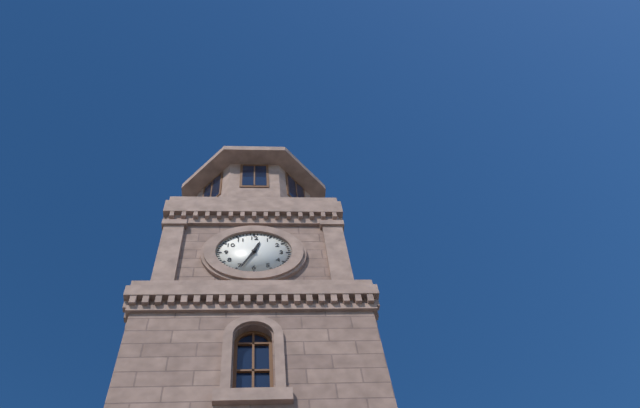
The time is 12h34
